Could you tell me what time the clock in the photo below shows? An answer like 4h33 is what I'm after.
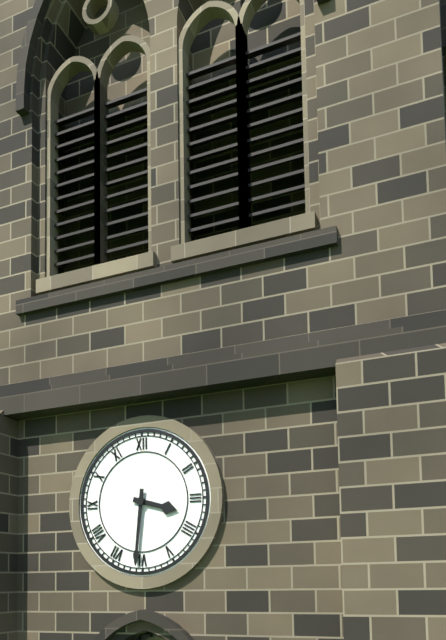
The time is 3h31
